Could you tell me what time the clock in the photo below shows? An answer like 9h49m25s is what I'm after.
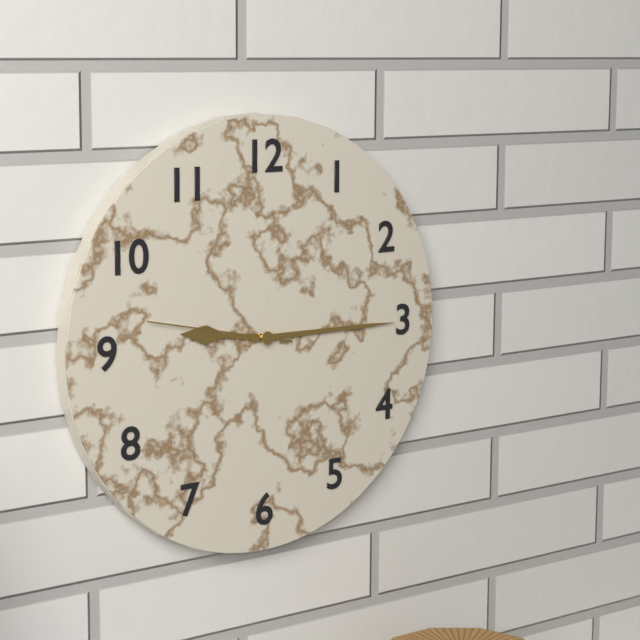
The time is 9h15m47s
